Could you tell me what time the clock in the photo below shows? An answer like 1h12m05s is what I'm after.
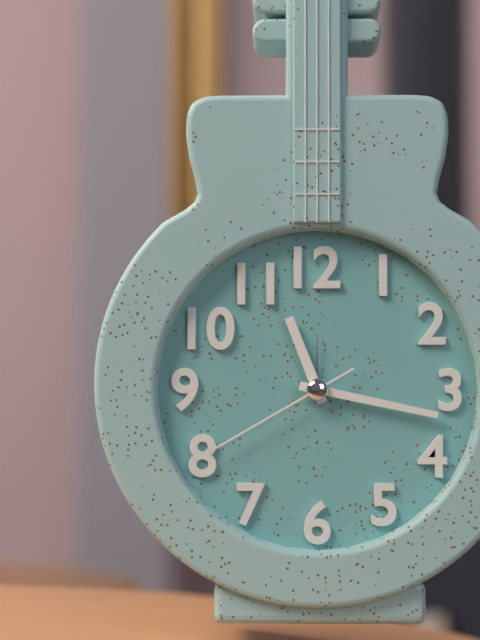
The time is 11h17m40s
